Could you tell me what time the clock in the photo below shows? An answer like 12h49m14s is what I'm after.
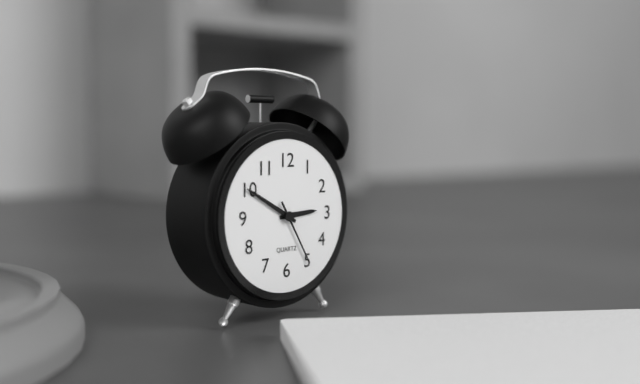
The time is 2h50m25s
